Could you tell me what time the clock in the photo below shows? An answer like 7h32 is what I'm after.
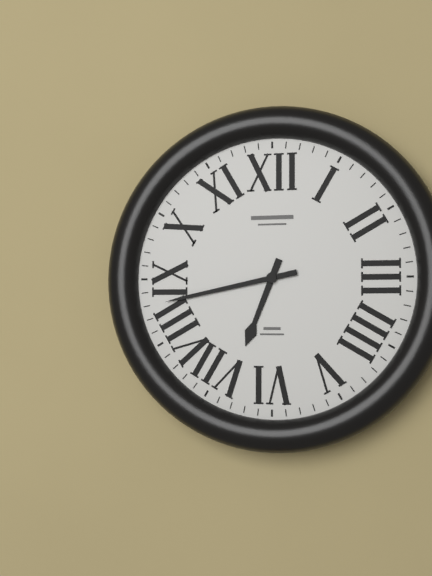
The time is 6h43
